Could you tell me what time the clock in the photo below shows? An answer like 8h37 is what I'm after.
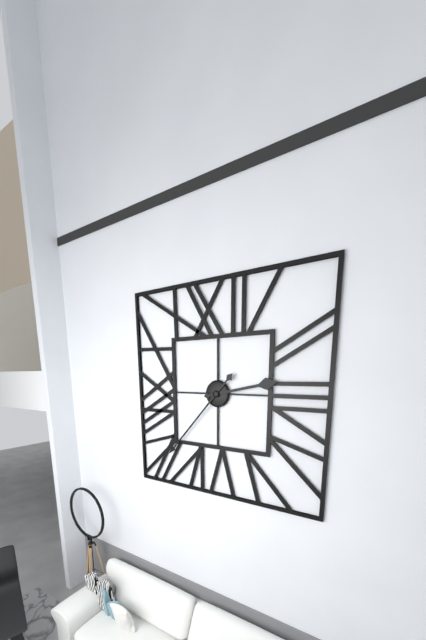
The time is 2h37
